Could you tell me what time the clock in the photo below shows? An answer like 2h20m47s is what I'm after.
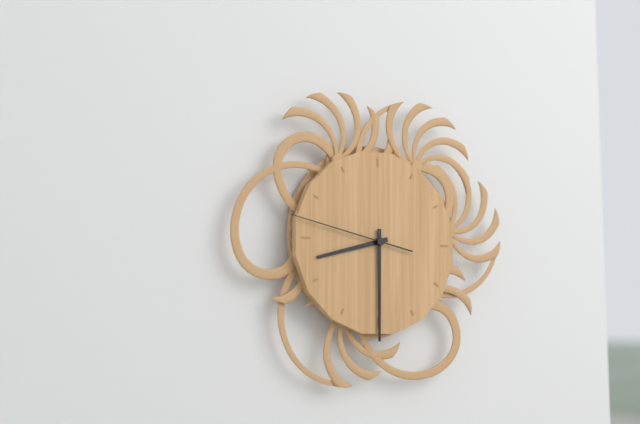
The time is 8h30m47s
